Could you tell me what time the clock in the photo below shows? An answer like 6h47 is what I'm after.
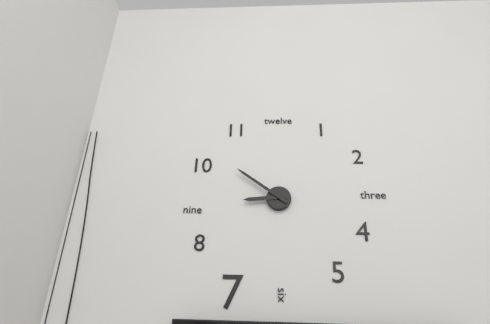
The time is 8h51
